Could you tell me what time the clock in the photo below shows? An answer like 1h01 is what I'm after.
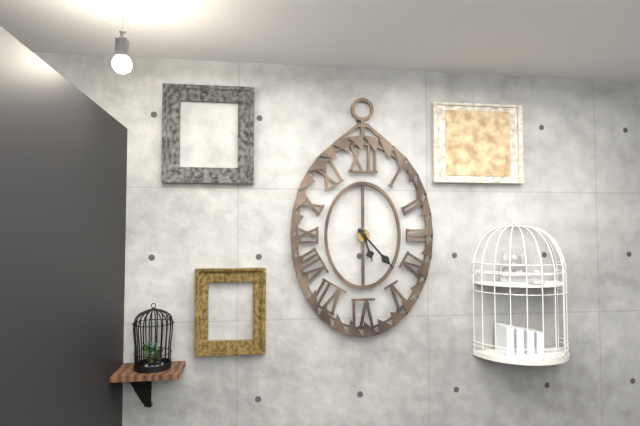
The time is 5h23
